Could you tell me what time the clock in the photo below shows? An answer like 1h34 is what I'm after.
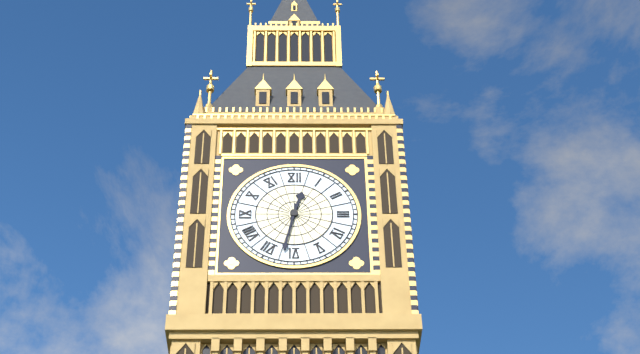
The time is 12h32
